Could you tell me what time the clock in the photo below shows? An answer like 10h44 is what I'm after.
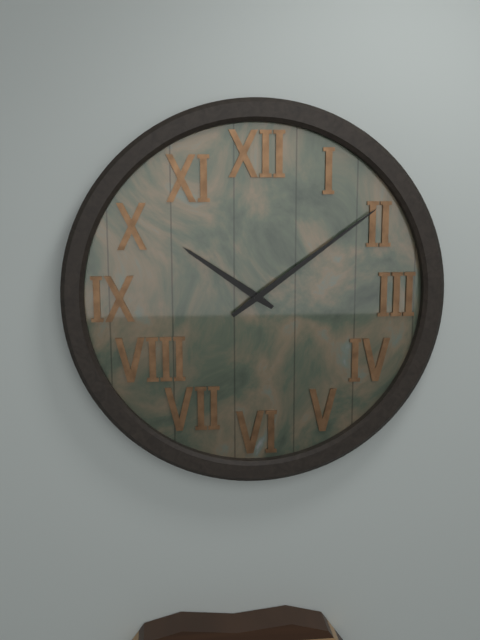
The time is 10h09
